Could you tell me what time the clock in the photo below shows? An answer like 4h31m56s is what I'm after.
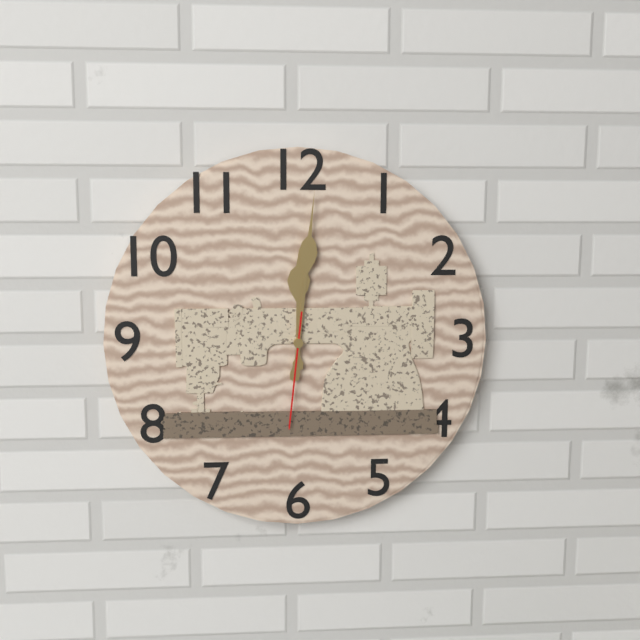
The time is 12h01m31s
